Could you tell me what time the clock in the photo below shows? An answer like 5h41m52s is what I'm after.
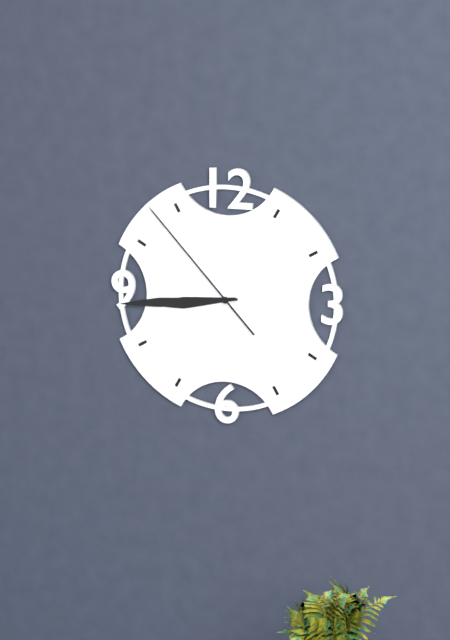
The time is 8h44m53s
